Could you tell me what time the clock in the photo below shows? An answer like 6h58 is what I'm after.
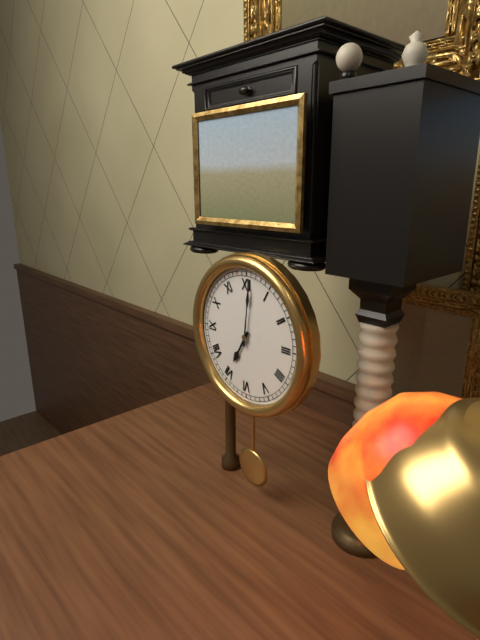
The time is 7h01
